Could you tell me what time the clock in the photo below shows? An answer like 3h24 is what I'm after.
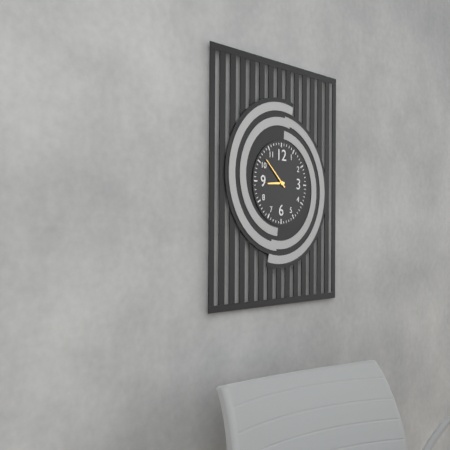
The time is 8h52
